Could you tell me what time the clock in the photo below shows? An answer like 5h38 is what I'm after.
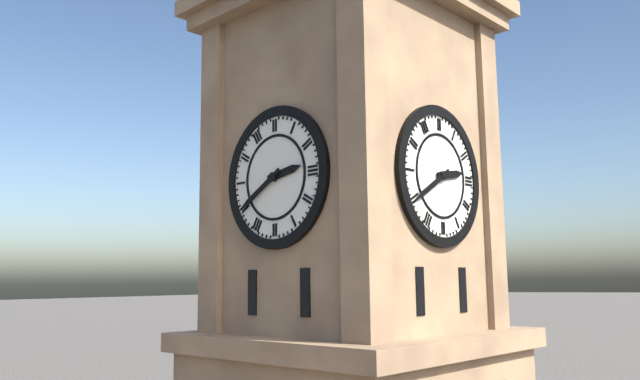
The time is 2h40
